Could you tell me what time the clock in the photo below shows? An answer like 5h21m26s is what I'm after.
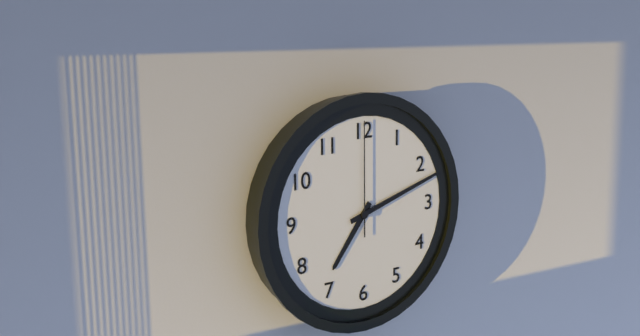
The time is 7h12m00s
